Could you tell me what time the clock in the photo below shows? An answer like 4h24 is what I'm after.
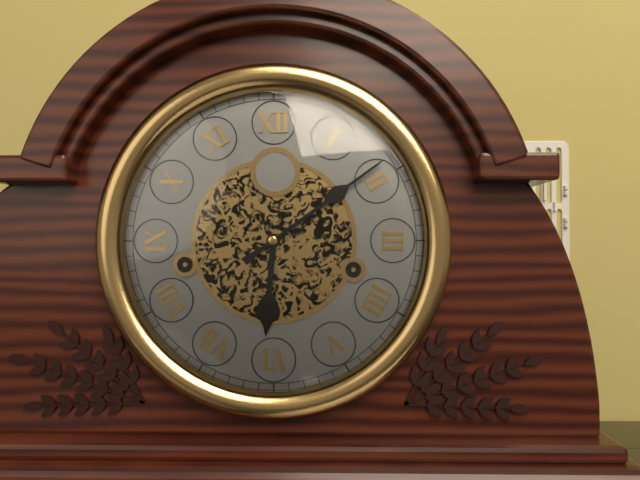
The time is 6h09
